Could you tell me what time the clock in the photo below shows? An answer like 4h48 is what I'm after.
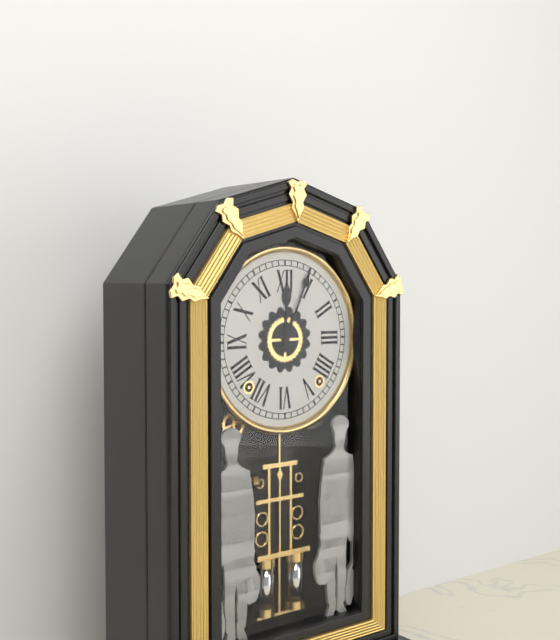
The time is 12h04
